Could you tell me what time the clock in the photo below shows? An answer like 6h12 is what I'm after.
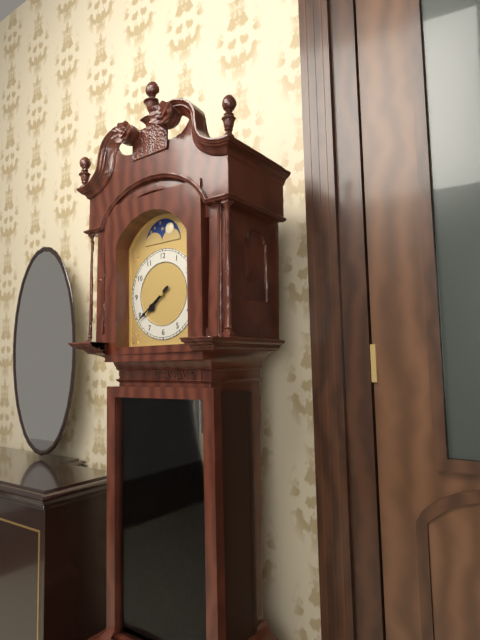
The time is 7h39
